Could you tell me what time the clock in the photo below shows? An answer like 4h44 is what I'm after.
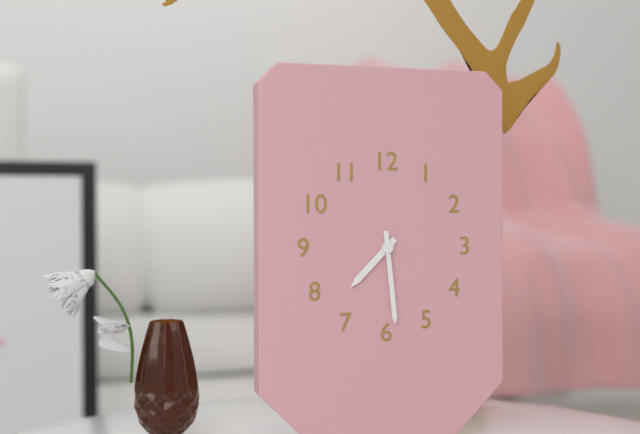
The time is 7h29
